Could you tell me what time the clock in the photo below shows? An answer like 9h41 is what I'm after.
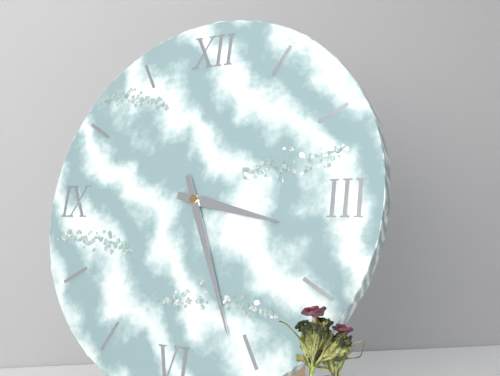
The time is 3h26
